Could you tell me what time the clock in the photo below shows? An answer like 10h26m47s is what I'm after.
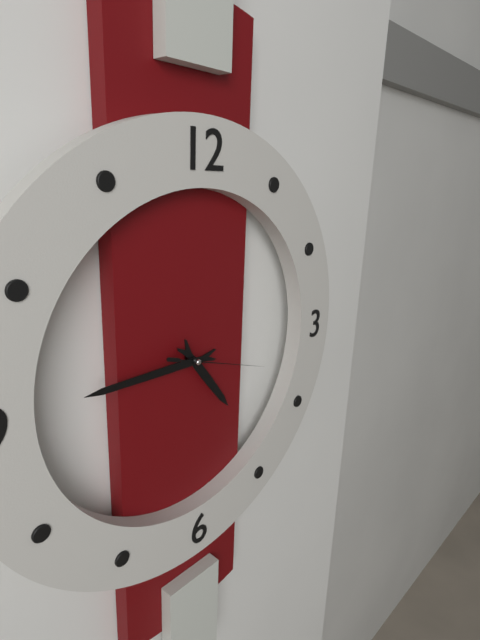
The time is 4h45m18s
